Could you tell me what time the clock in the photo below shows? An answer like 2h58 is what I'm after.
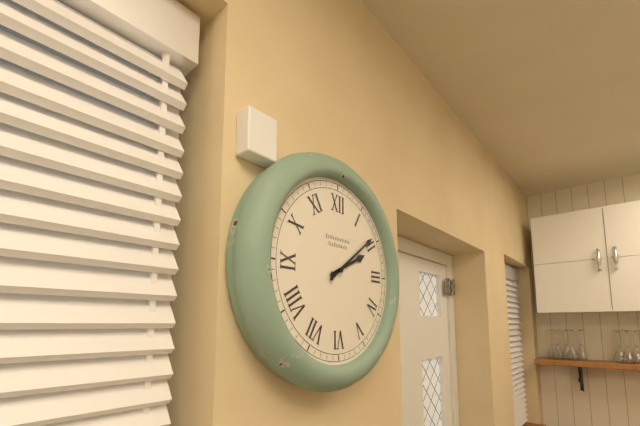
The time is 2h09
